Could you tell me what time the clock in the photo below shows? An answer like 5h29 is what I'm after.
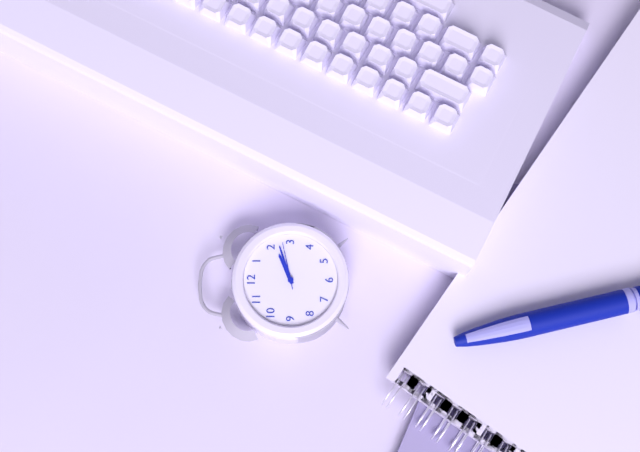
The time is 2h12
